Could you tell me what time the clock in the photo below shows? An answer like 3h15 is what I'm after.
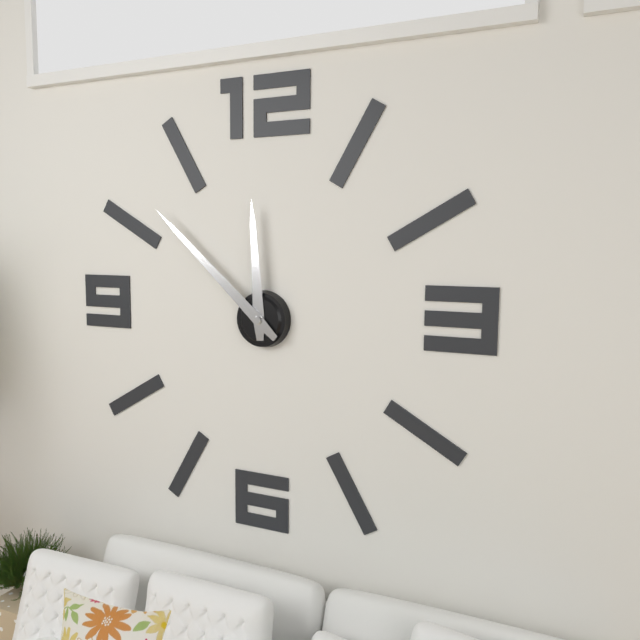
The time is 11h52
